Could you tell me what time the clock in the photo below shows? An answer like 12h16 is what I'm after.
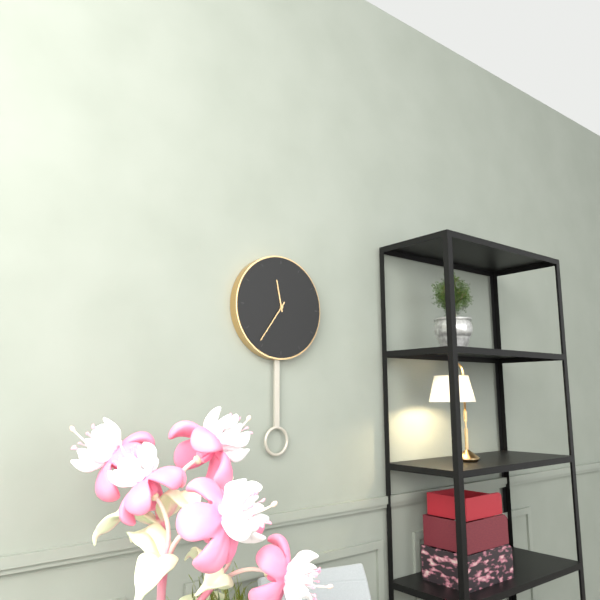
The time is 11h36
